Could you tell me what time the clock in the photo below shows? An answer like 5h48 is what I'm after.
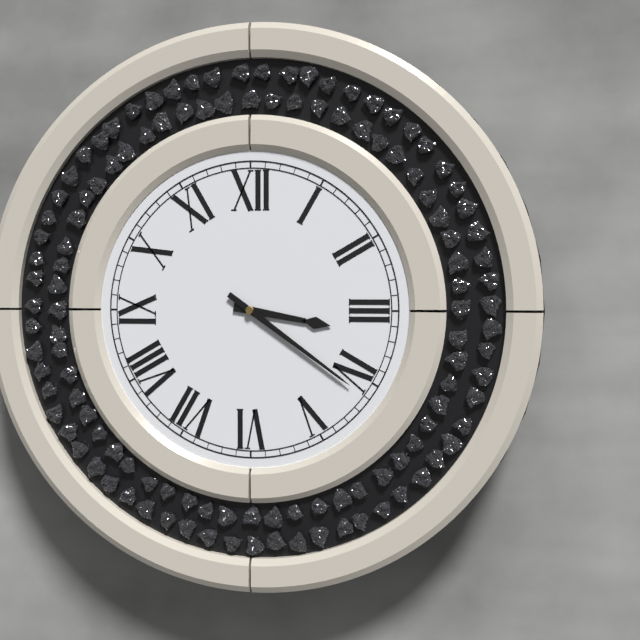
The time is 3h21
